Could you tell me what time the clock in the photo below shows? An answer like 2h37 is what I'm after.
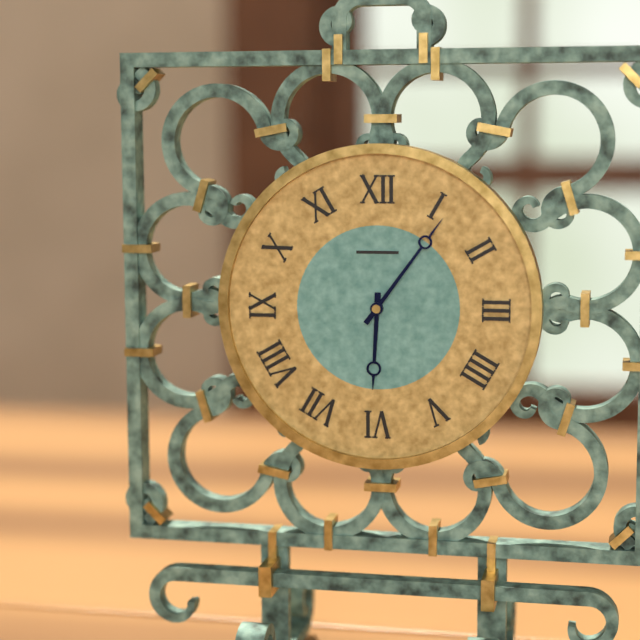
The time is 6h06
